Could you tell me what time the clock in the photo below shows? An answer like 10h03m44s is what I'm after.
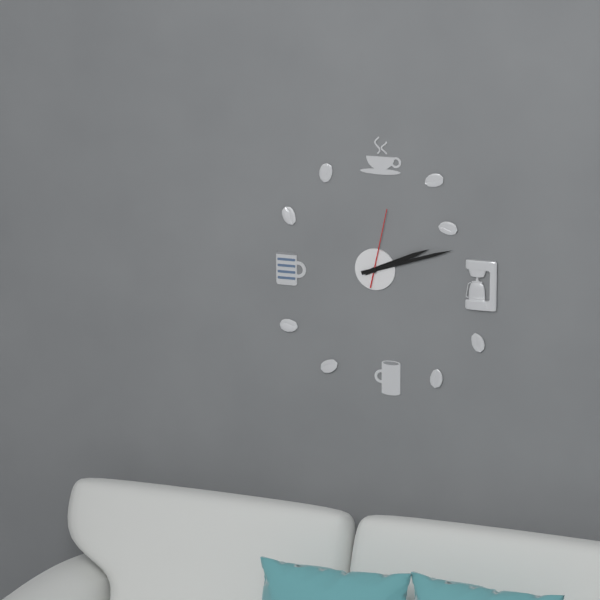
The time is 2h12m02s
